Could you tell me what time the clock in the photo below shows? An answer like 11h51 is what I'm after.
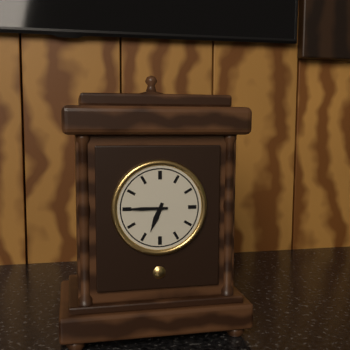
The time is 6h45
